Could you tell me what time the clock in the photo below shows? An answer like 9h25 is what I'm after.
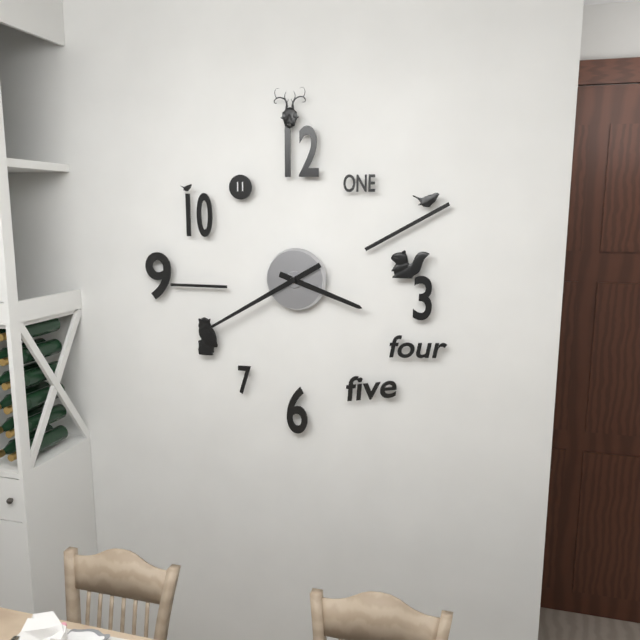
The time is 3h40
